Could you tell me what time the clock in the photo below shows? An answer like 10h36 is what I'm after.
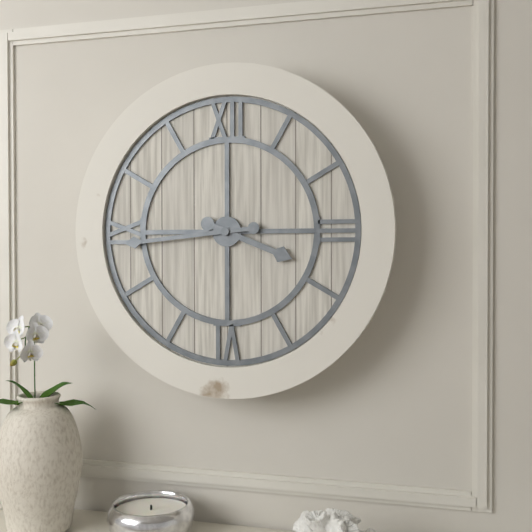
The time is 3h44
